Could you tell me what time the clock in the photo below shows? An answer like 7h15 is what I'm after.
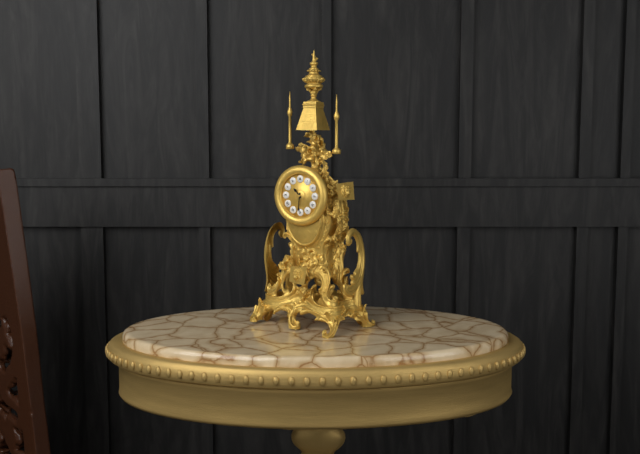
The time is 10h31
